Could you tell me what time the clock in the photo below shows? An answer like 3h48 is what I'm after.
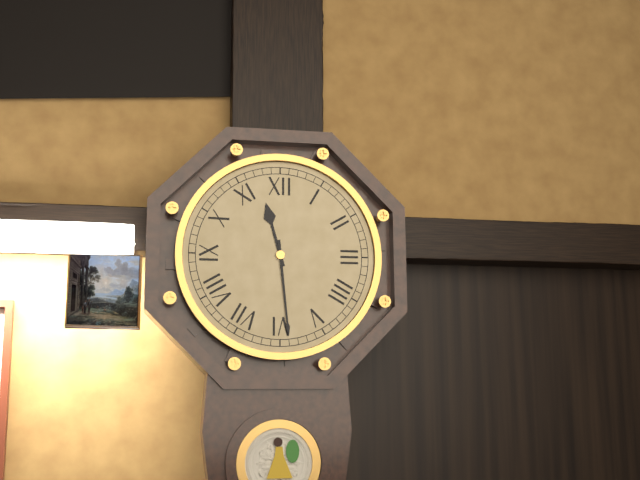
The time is 11h29
